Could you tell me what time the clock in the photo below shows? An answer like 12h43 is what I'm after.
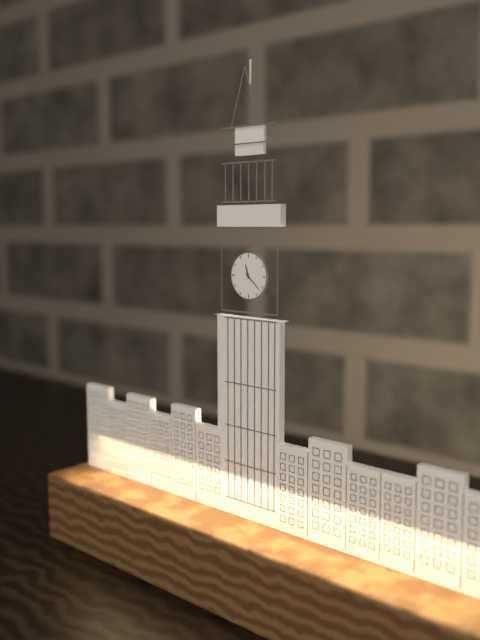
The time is 11h22
